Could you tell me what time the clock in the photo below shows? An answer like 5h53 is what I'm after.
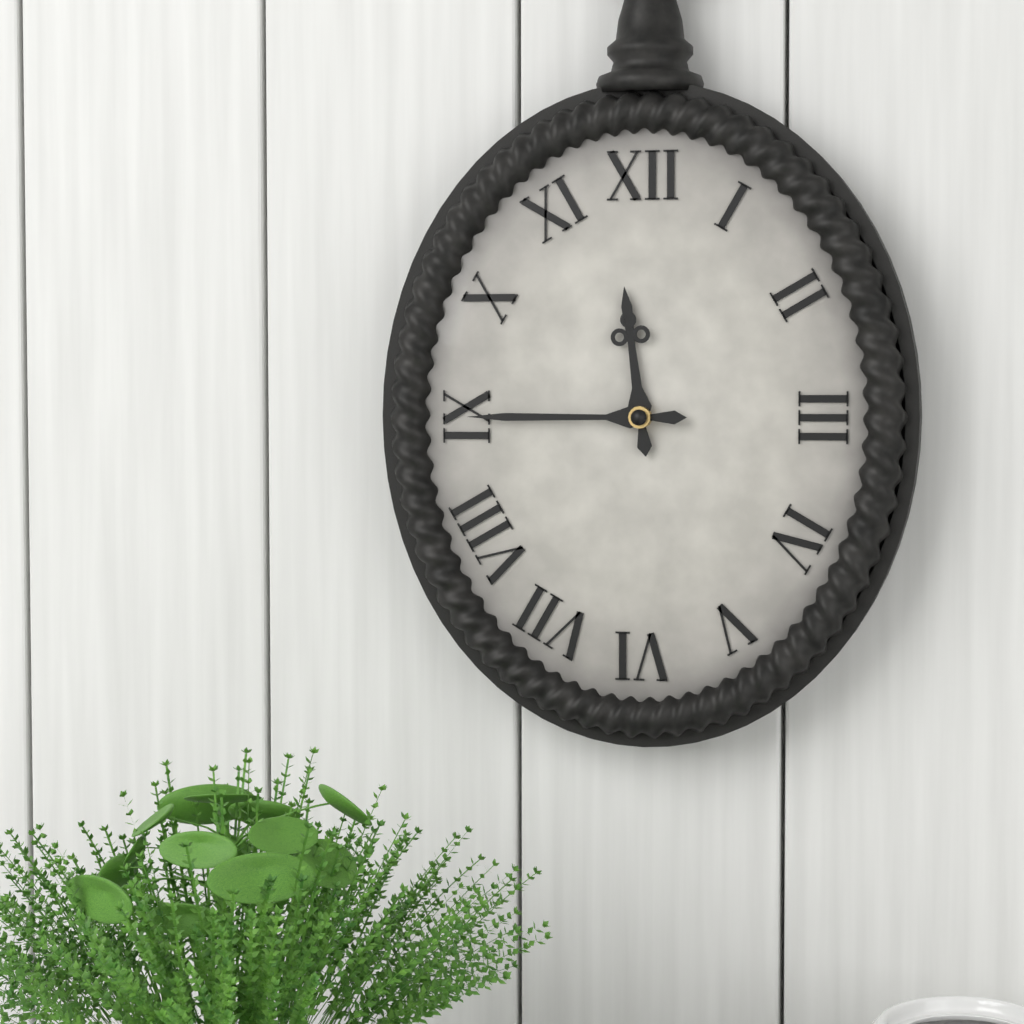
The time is 11h45
